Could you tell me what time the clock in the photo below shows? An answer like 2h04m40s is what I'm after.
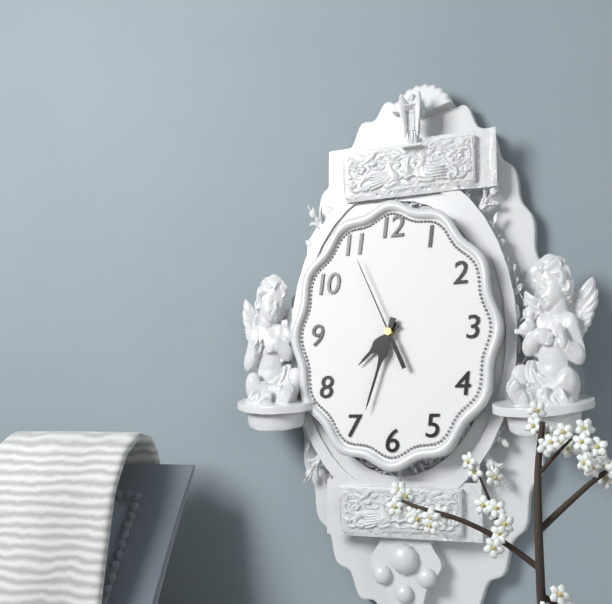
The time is 7h33m56s
